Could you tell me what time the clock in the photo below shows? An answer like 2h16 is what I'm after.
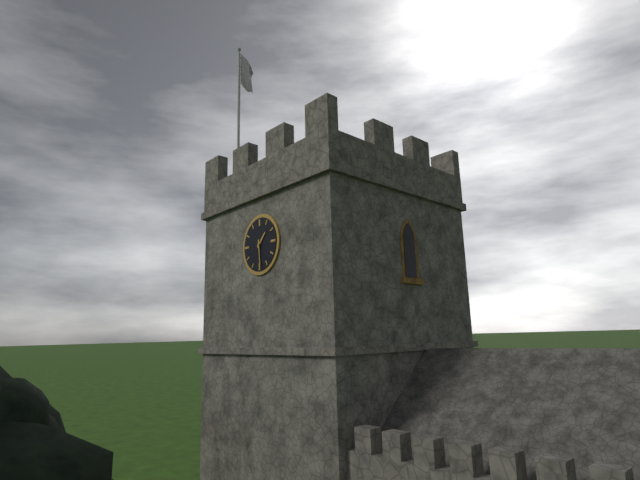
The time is 1h29
